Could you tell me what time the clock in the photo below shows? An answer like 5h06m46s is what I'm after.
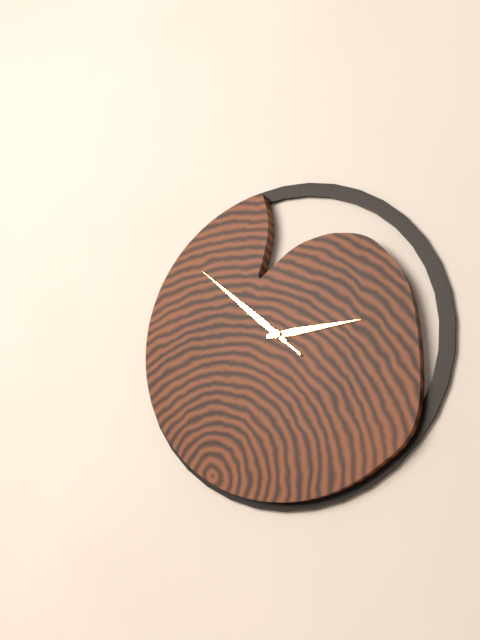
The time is 2h52m52s
